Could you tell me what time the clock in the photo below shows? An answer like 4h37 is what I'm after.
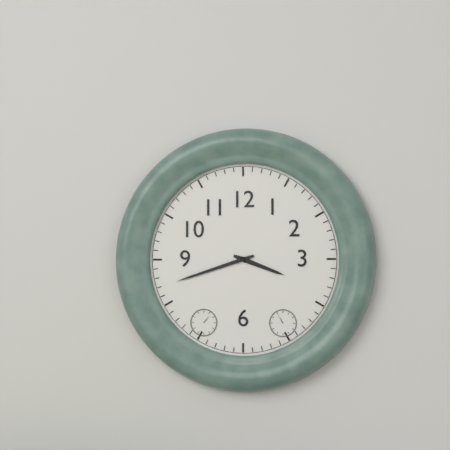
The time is 3h42
